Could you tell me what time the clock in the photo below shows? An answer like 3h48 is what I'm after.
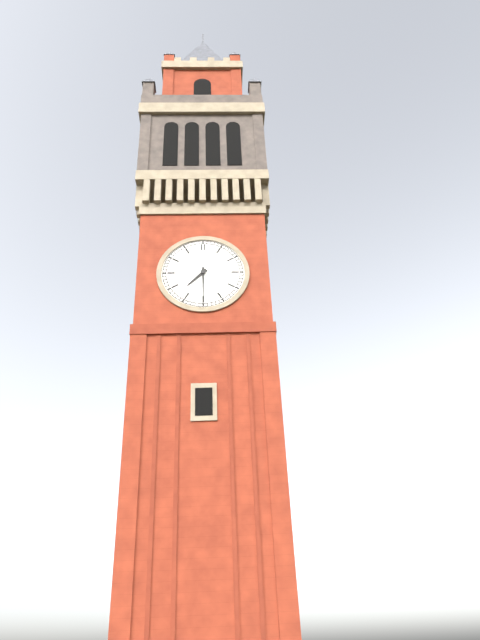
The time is 7h30
